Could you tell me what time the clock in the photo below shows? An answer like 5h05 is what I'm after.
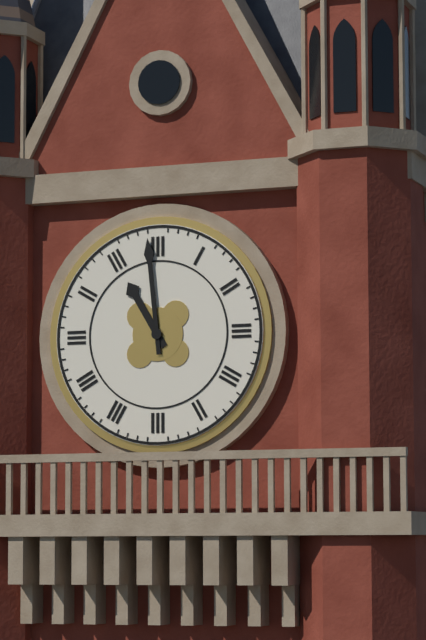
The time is 10h59
